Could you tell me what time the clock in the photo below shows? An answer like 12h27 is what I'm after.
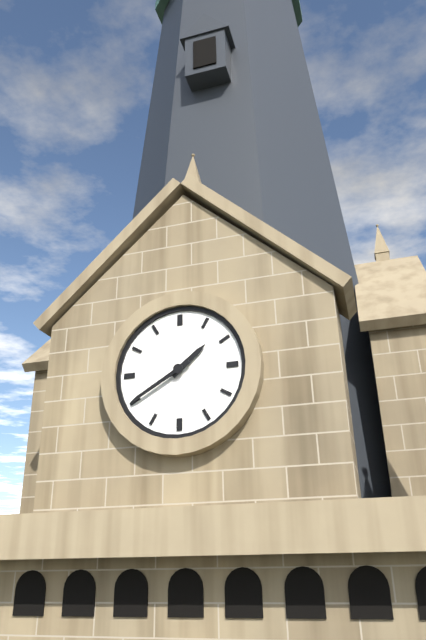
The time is 1h40
